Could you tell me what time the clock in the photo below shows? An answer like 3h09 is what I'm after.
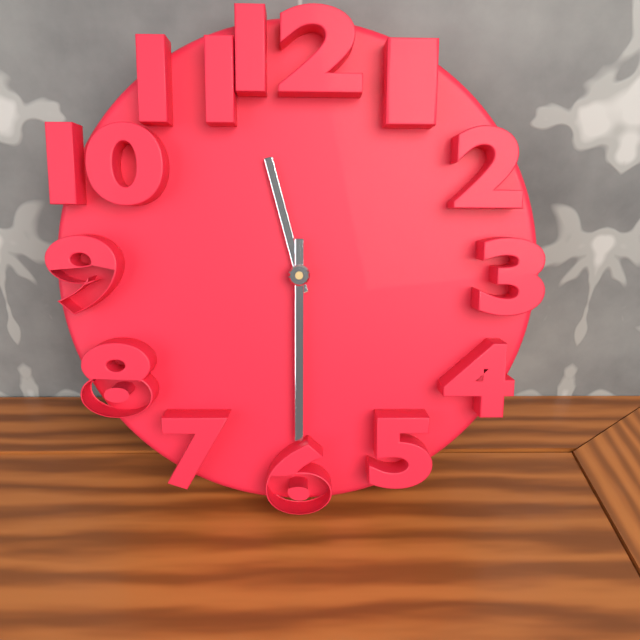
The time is 11h30
